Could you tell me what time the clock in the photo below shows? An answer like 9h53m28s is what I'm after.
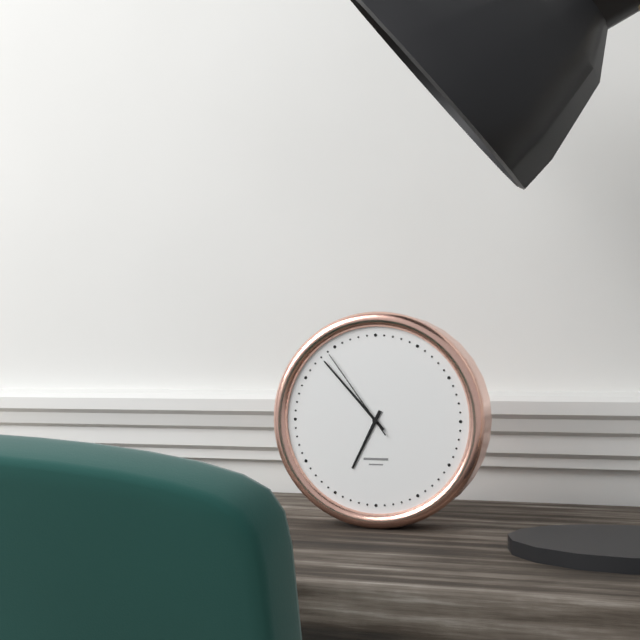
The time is 6h53m54s
